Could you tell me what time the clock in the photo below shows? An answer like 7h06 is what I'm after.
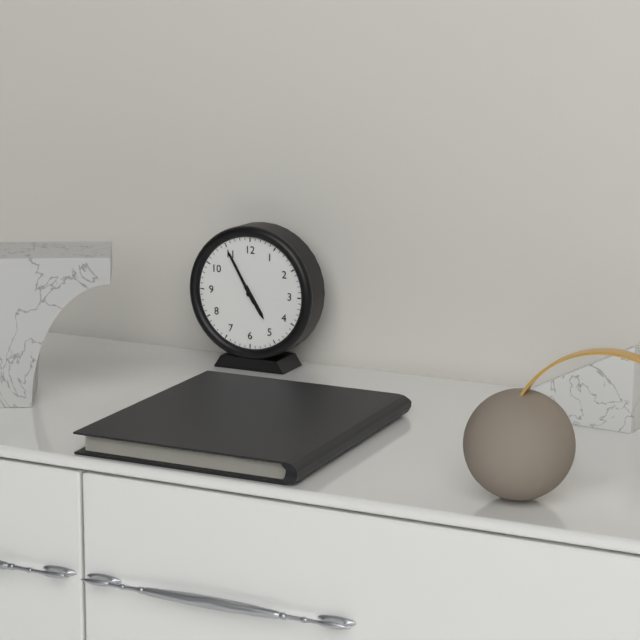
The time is 4h55
